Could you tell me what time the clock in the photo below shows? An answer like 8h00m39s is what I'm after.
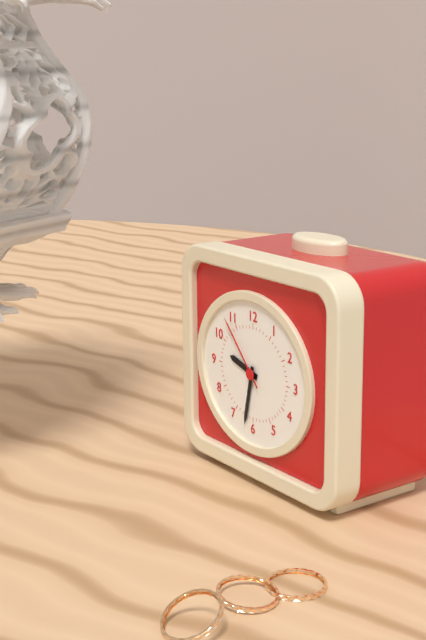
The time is 9h32m53s
